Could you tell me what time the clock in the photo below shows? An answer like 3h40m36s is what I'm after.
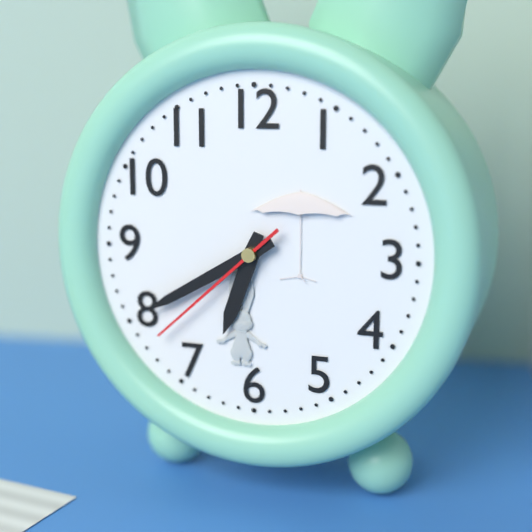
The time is 6h40m38s
